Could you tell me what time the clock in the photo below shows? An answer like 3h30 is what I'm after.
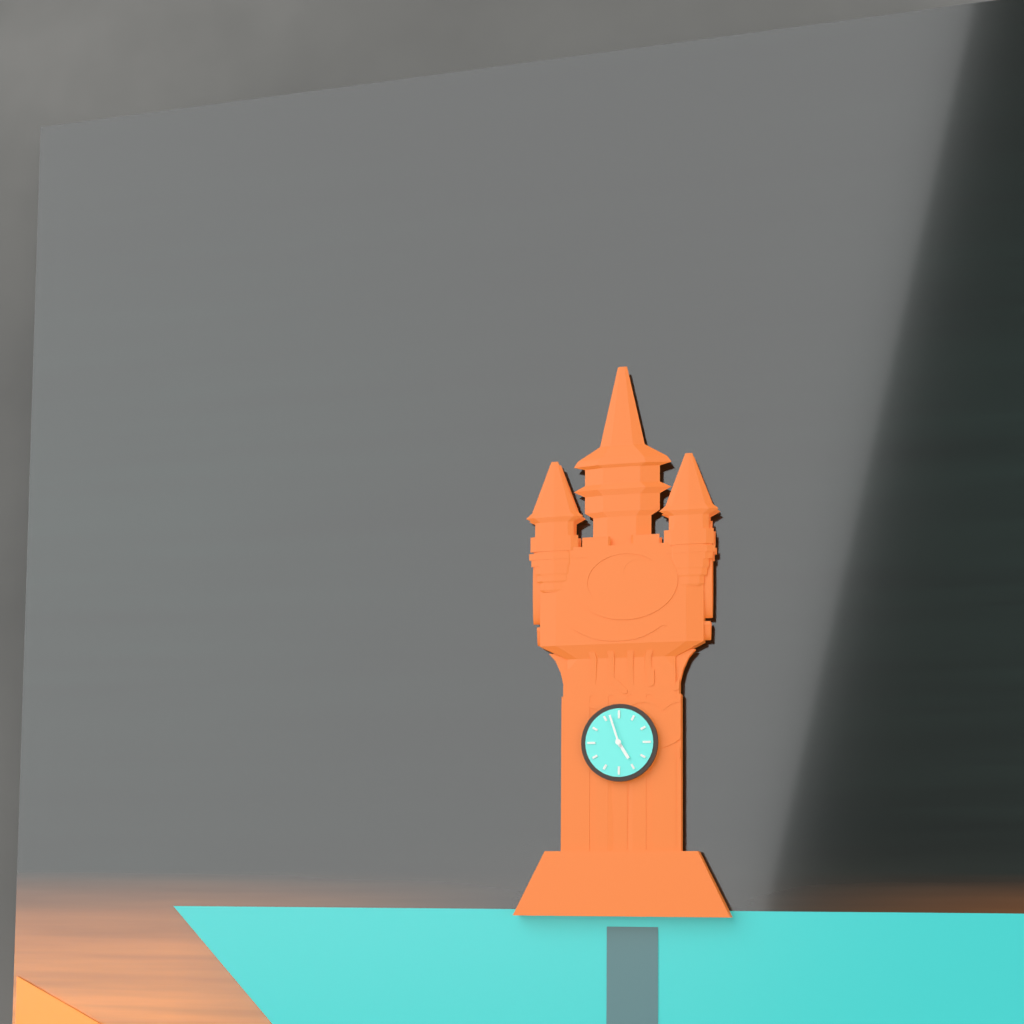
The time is 4h57
